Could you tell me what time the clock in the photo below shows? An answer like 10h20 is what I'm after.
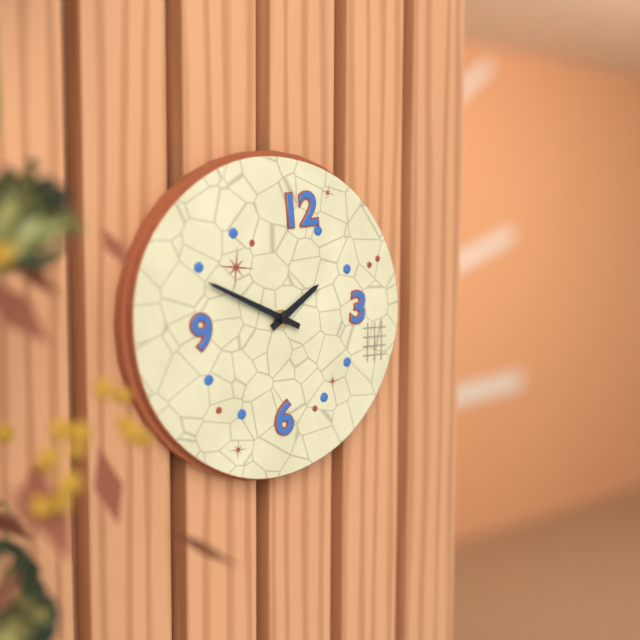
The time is 1h49
